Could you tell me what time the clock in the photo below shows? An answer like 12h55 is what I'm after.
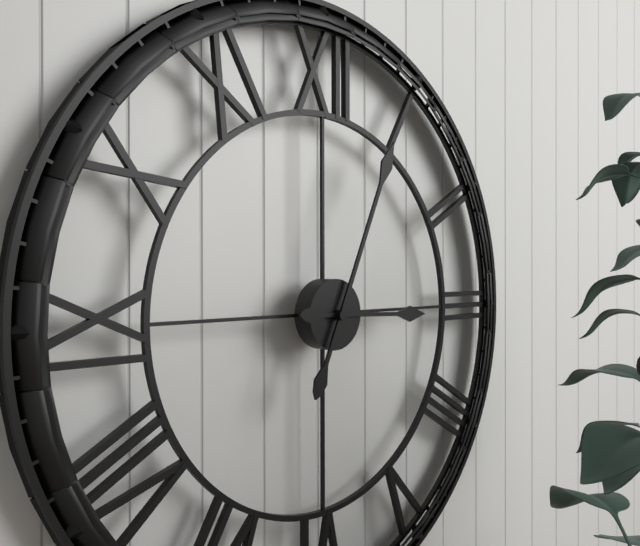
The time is 3h04
